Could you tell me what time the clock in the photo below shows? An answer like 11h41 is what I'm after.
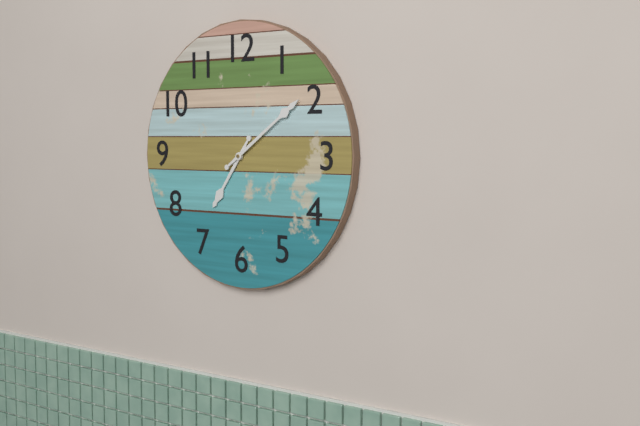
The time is 7h09
